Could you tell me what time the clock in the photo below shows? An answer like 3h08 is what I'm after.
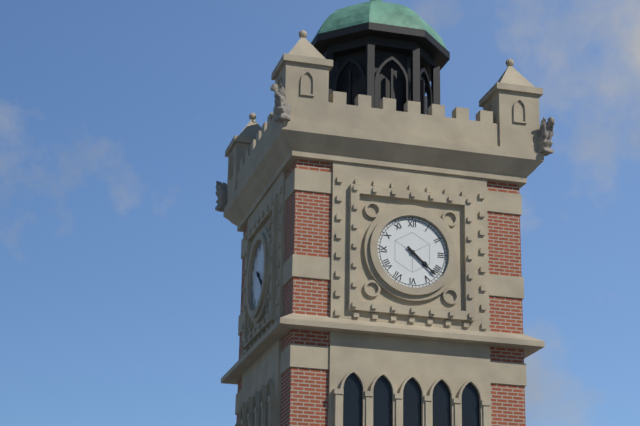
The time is 4h22
